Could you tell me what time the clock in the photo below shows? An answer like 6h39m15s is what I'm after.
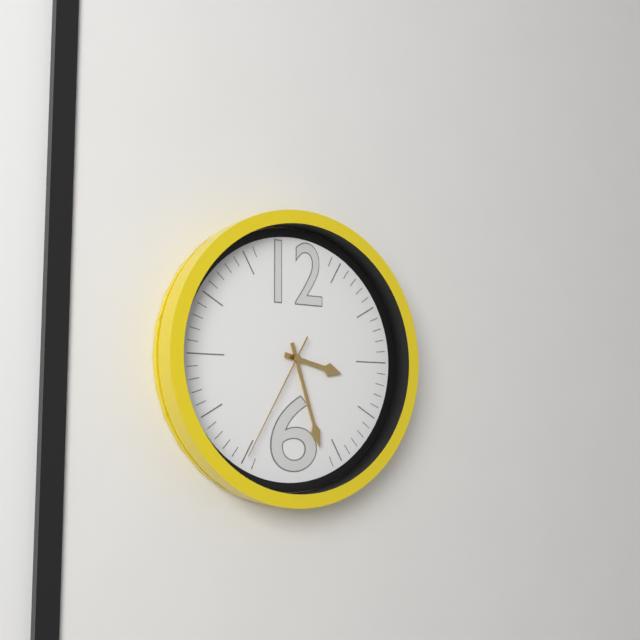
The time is 3h27m35s
